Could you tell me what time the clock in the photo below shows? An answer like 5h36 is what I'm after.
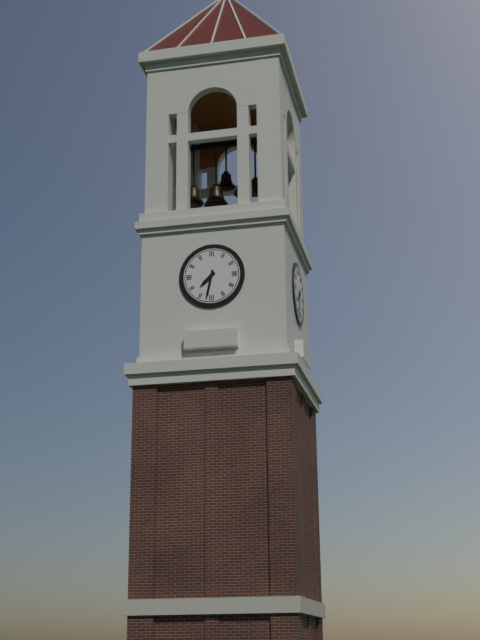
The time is 7h32
